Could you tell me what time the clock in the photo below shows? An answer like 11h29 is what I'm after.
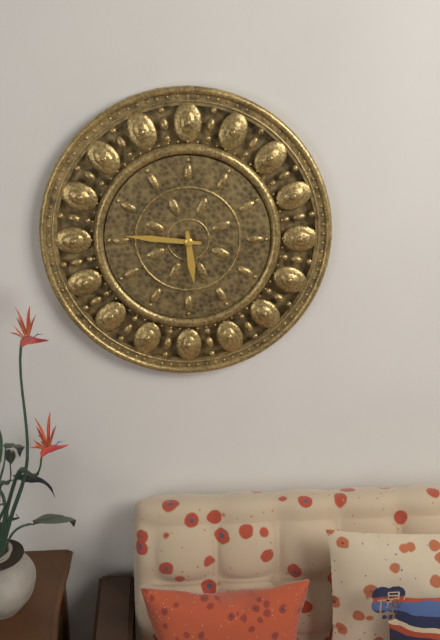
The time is 5h46
